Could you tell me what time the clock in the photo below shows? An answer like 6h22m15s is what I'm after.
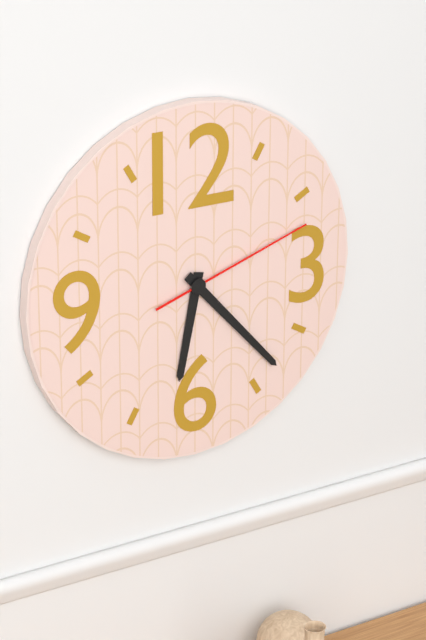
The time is 6h23m12s
